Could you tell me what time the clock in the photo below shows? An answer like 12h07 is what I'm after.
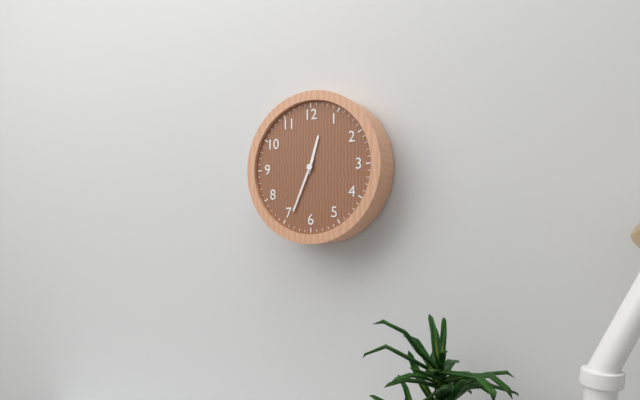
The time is 12h34
